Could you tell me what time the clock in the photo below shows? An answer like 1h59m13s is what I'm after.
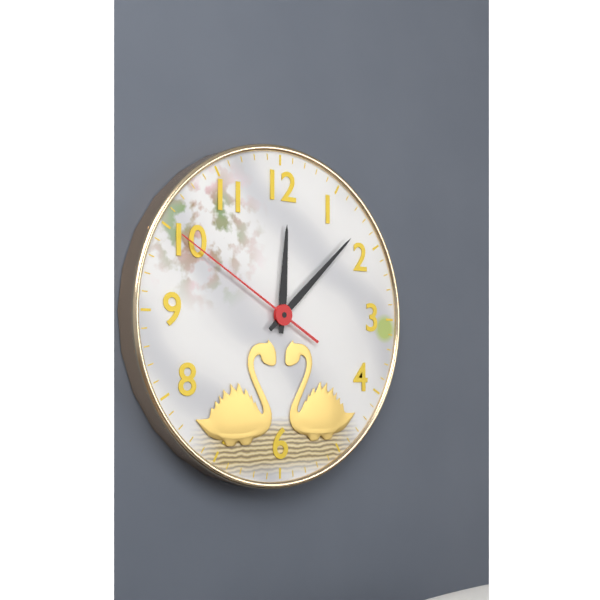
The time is 12h08m50s
